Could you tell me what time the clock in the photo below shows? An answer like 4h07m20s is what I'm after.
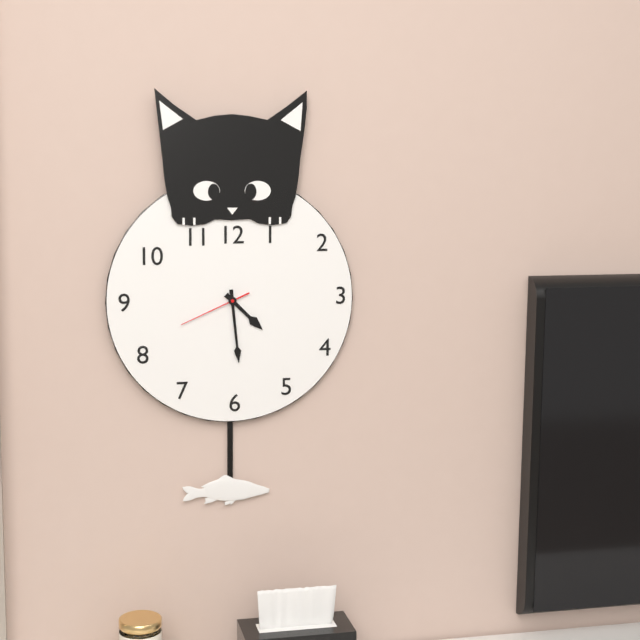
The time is 4h29m41s
